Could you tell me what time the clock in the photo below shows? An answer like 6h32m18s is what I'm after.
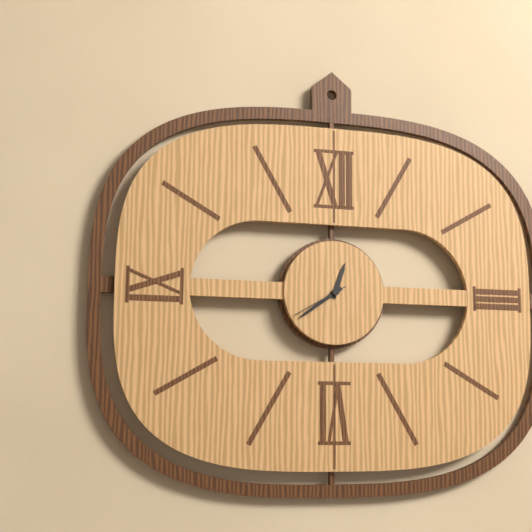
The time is 12h39m40s
